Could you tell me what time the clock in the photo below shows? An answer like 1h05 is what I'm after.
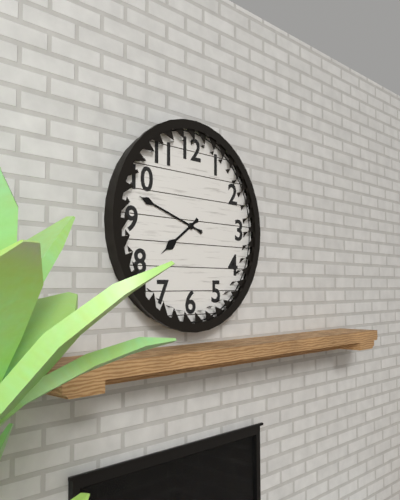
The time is 7h48
